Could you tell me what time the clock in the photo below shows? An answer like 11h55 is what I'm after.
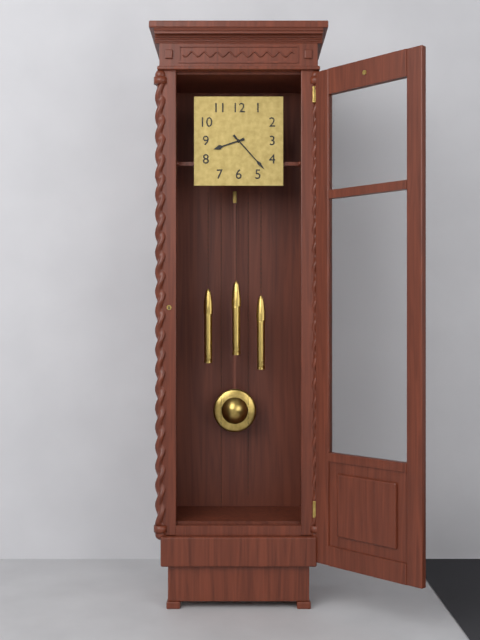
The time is 8h23
